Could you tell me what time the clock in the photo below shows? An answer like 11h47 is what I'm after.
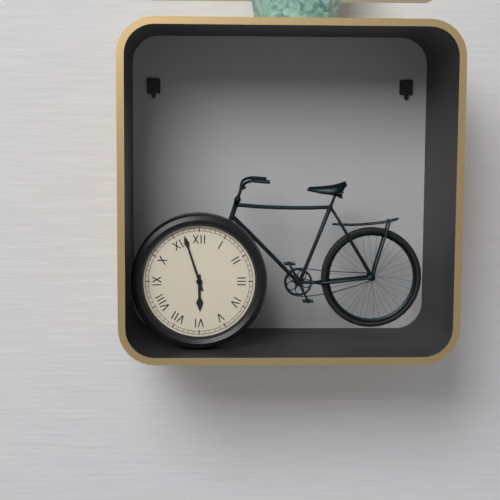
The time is 5h57
